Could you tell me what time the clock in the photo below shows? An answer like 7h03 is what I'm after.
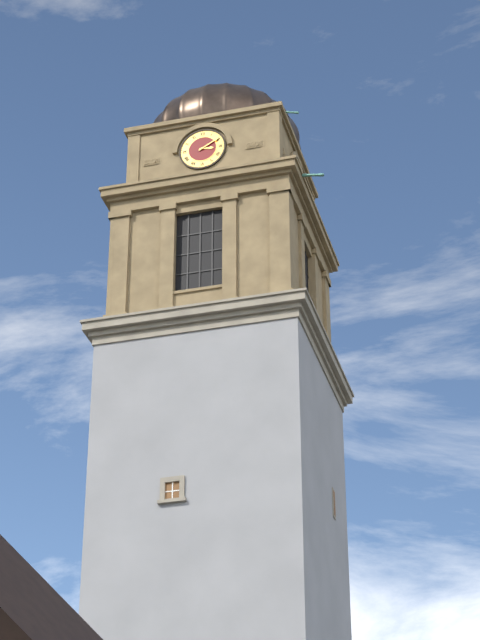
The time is 3h10
